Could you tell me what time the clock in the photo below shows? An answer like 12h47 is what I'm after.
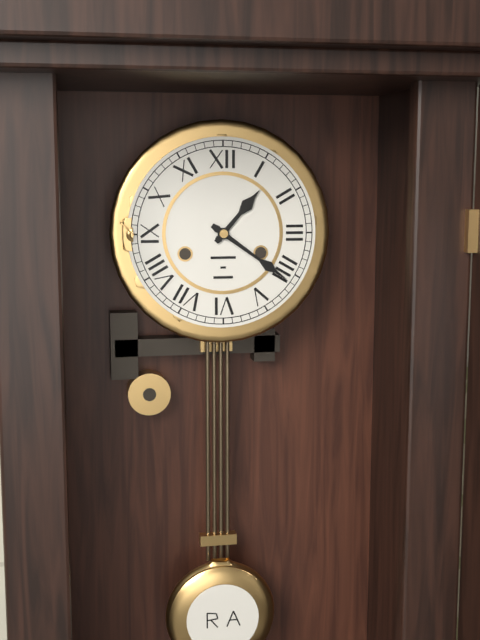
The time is 1h21
